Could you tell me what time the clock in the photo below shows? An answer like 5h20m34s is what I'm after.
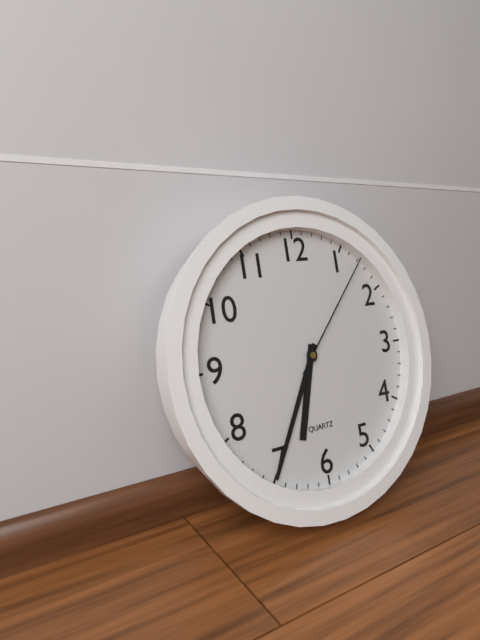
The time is 6h35m07s
